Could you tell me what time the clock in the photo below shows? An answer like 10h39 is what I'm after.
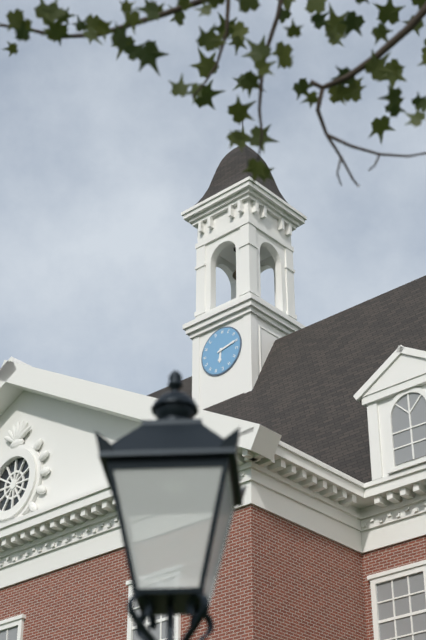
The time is 6h13
